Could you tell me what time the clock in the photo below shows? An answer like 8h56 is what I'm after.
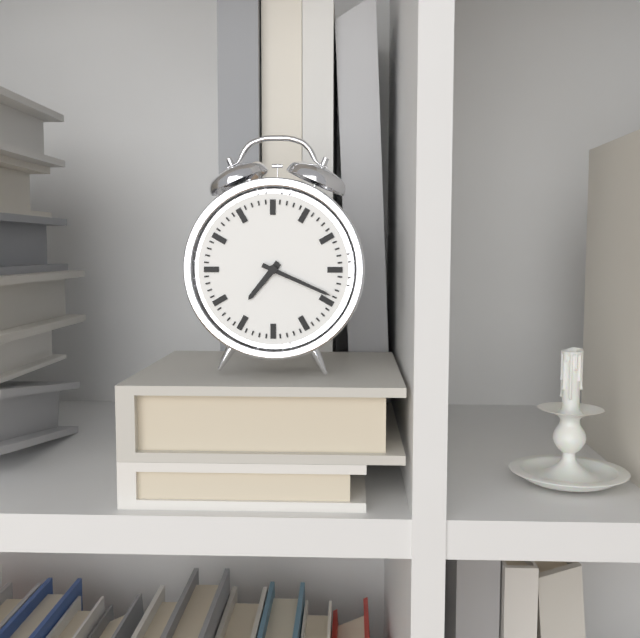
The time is 7h19
